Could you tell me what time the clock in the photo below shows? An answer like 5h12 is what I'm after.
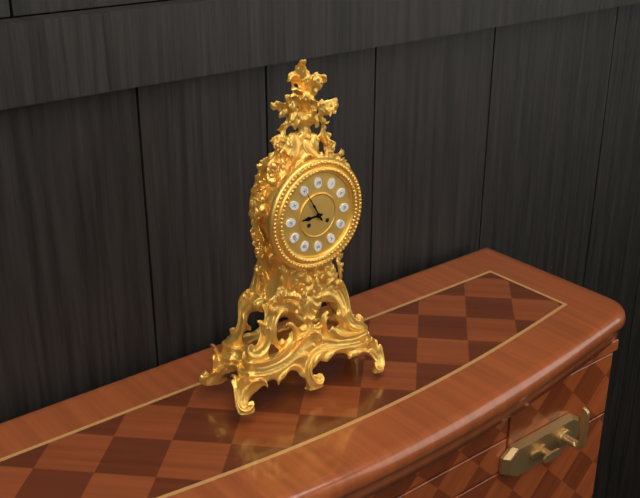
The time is 8h55
